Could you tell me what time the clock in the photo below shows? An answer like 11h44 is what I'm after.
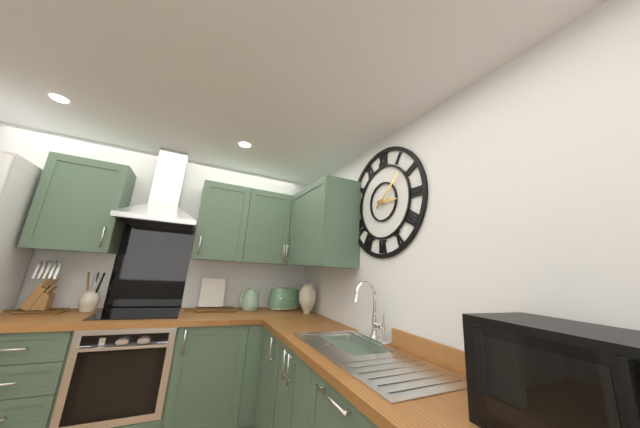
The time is 3h08
